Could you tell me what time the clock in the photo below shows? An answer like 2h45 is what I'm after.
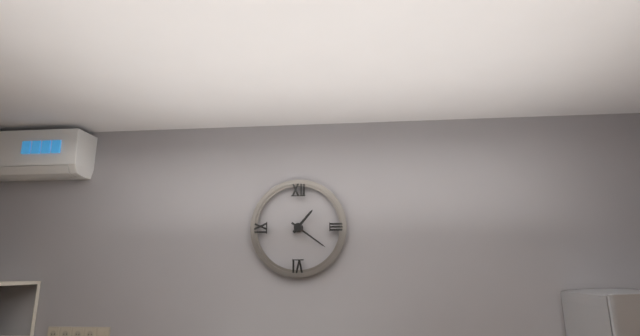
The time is 1h21
